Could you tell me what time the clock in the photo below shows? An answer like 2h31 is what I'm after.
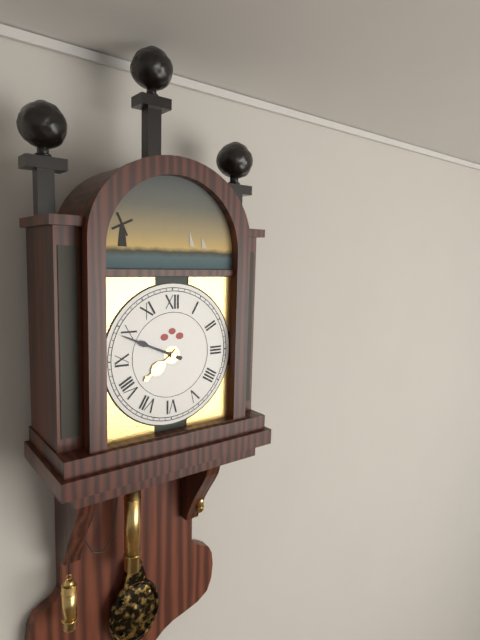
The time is 7h49
